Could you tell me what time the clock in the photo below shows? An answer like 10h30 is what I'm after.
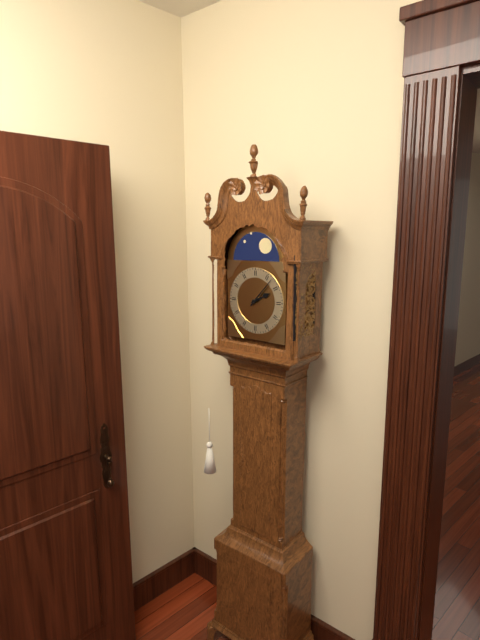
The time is 2h07
